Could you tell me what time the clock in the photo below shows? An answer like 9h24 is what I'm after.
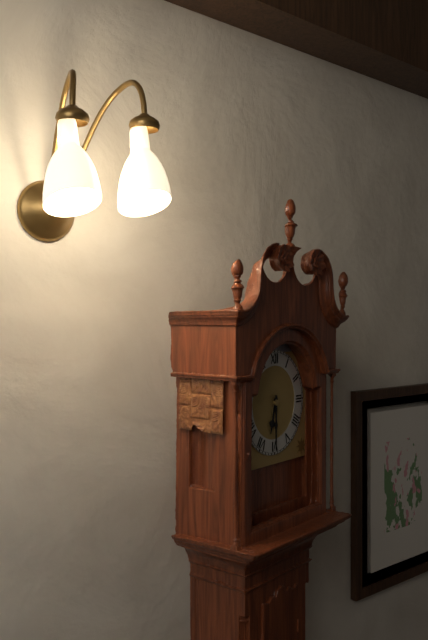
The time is 6h30
